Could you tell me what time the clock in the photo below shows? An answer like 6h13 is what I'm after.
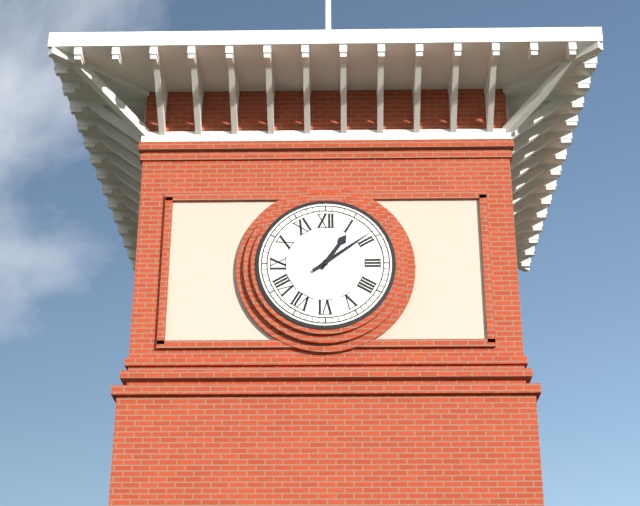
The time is 1h09
